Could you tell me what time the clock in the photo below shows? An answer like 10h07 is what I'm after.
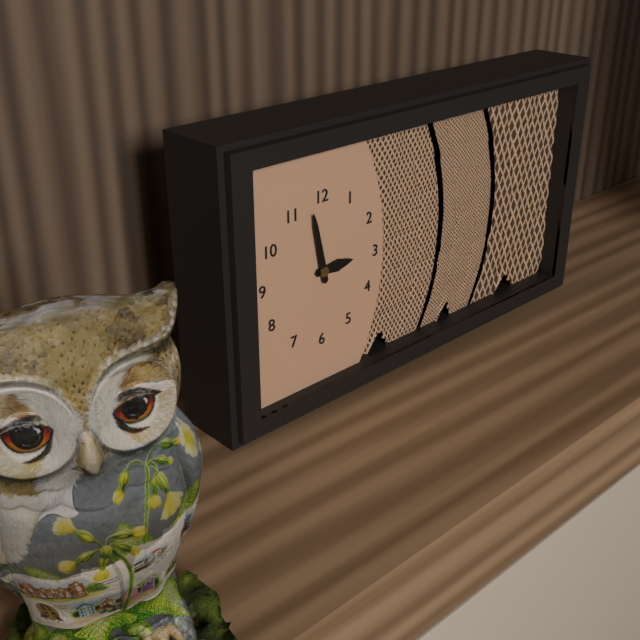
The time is 2h58
